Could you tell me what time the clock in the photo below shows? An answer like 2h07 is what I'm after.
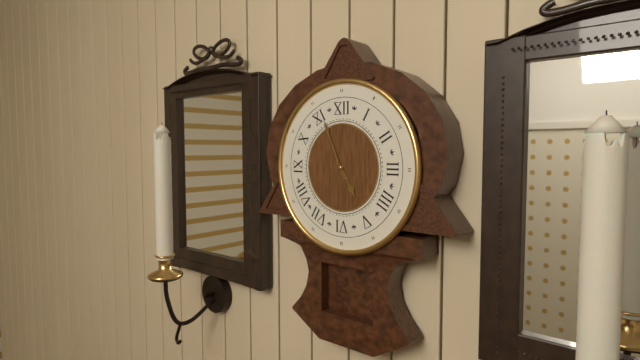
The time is 4h56
